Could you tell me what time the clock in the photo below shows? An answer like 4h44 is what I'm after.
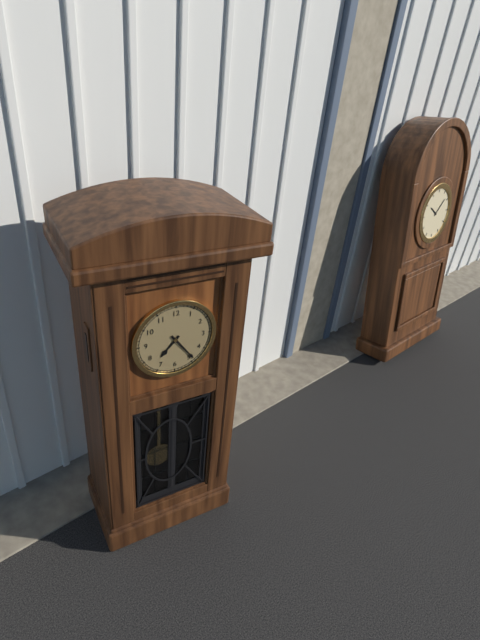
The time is 7h24
